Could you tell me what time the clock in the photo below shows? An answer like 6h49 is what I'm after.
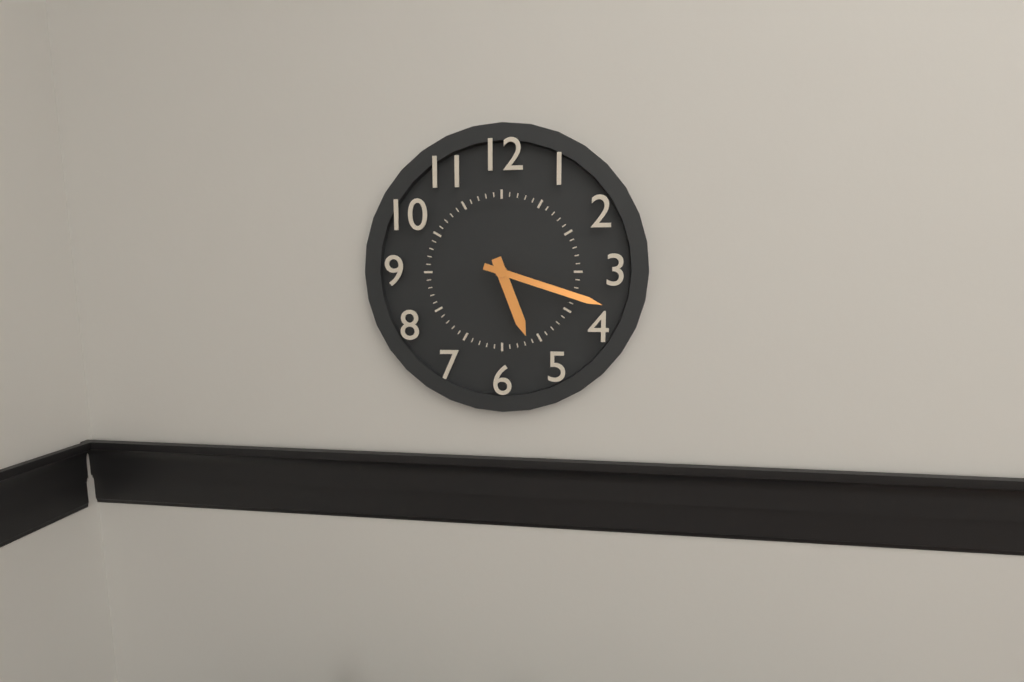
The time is 5h18
